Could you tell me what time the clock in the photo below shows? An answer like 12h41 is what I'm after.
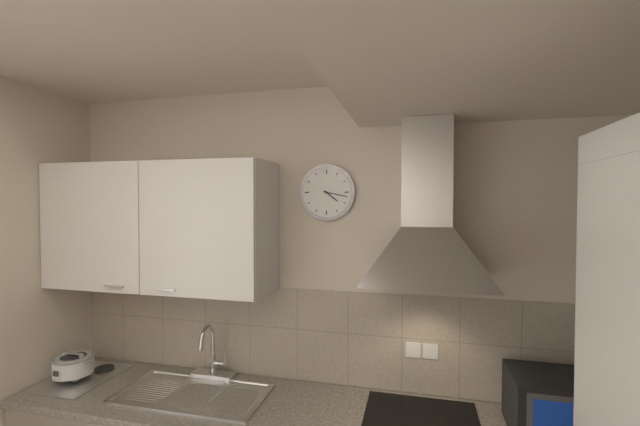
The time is 4h17
